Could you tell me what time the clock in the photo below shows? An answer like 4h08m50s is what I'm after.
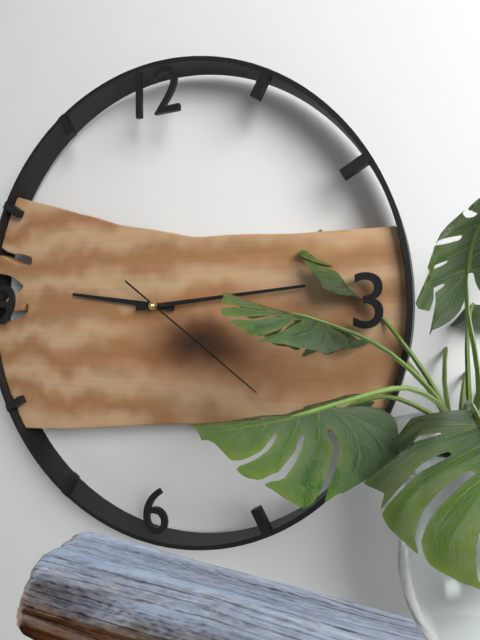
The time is 9h14m21s
